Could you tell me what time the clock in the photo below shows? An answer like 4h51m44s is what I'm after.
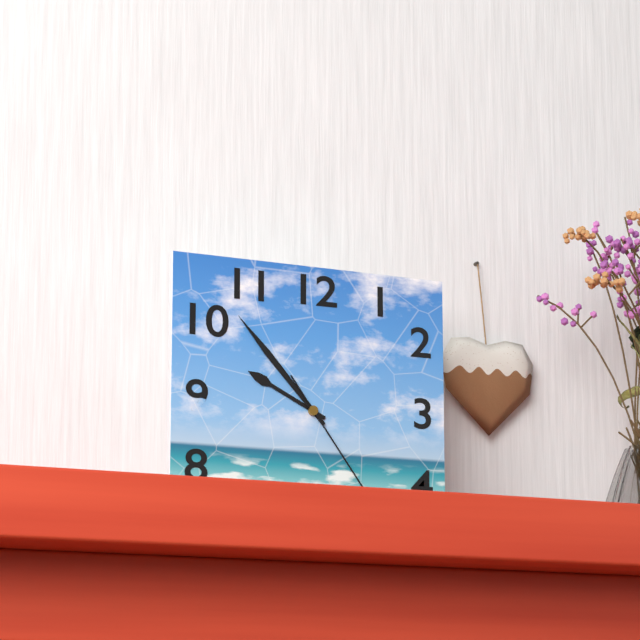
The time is 9h53m24s
